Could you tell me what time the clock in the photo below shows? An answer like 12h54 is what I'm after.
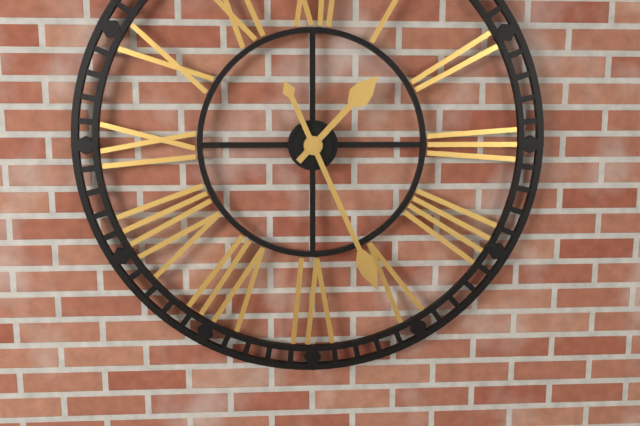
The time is 1h26
